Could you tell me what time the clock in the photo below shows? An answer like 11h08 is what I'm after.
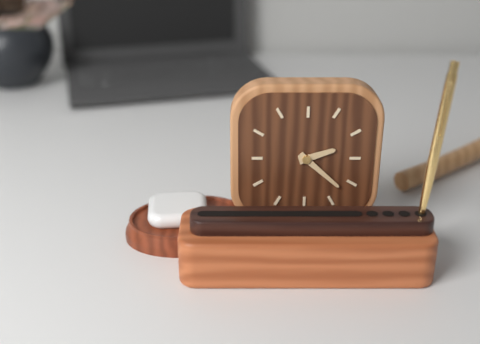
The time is 2h22
